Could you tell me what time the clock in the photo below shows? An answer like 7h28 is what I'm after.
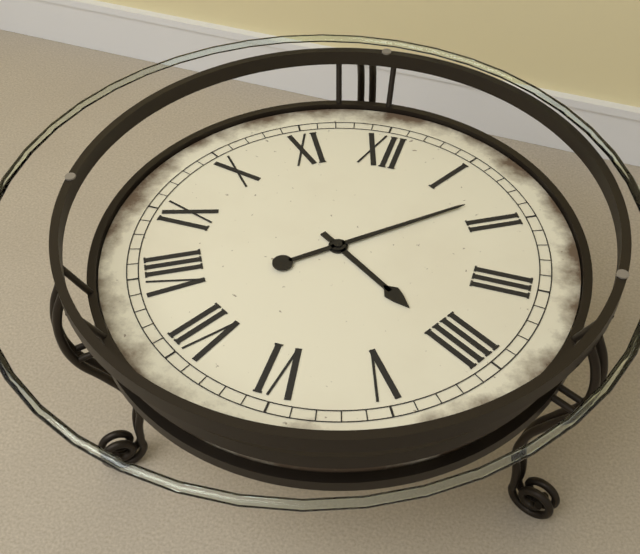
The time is 4h08
